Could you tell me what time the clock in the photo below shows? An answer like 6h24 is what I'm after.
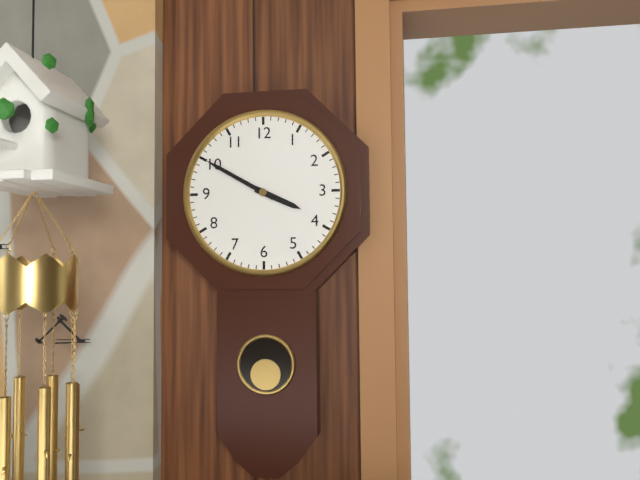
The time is 3h50
